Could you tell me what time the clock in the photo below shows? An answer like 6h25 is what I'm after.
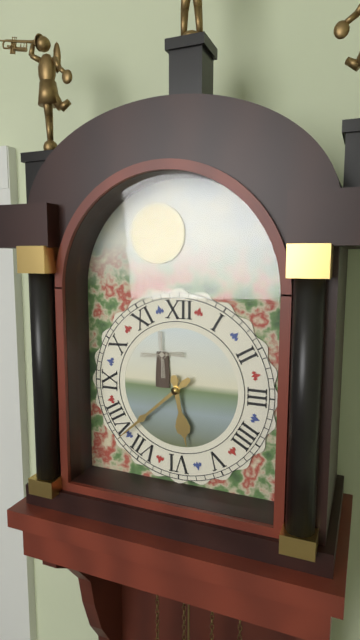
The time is 5h38
